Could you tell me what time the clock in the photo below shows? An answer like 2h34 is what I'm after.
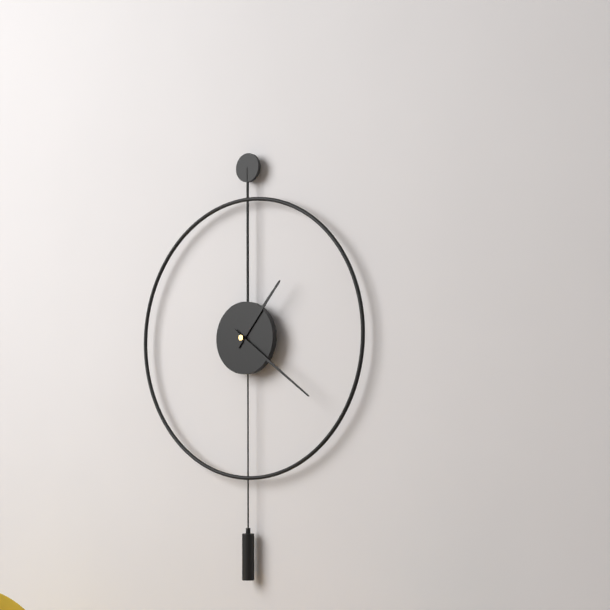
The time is 1h21
